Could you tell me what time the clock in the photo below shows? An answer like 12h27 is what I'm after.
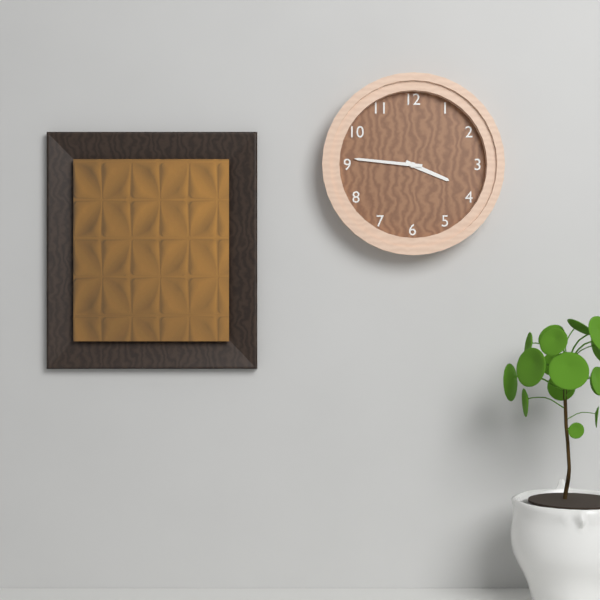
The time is 3h46
